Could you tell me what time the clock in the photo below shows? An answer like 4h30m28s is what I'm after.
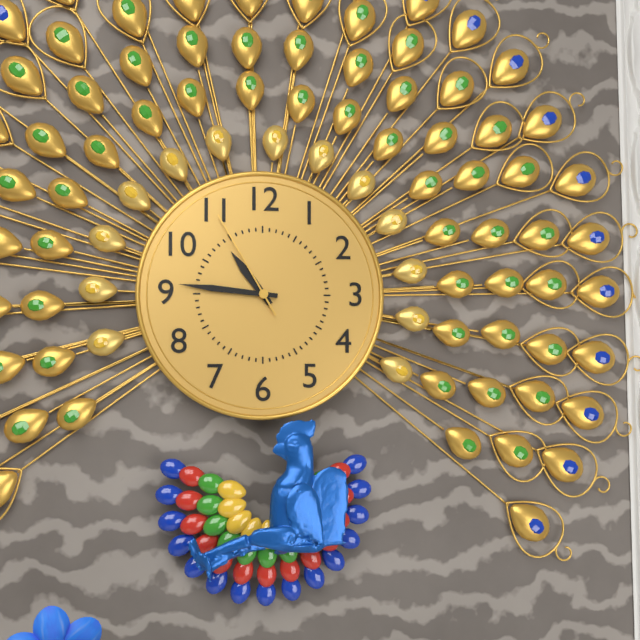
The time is 10h46m55s
